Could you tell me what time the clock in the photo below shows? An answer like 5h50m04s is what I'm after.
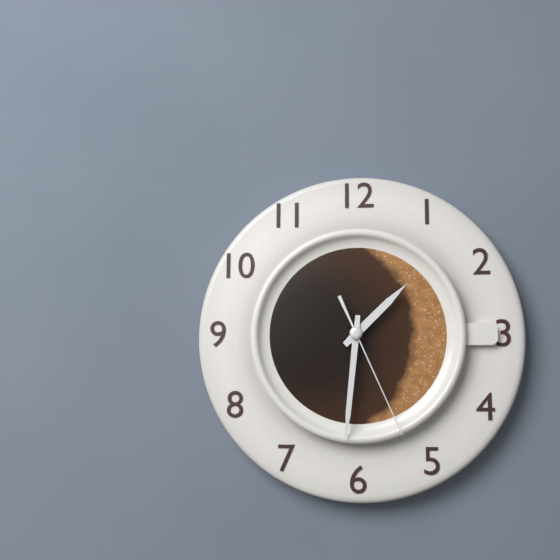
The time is 1h31m26s
